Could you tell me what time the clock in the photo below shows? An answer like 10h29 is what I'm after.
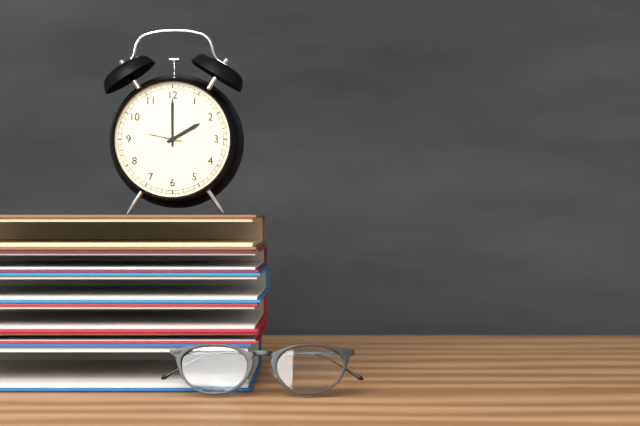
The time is 2h00
